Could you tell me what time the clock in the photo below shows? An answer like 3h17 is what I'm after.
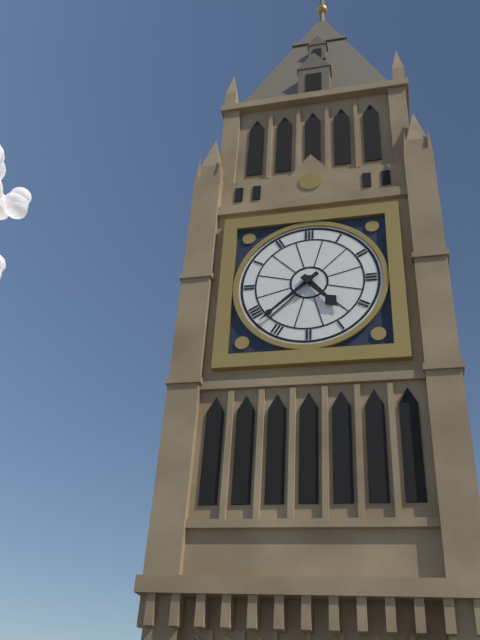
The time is 4h38
